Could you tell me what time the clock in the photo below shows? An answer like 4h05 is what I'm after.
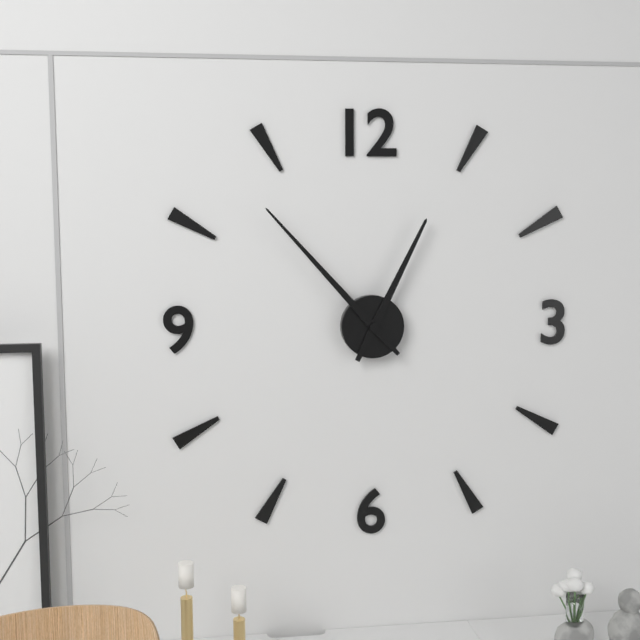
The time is 12h53
